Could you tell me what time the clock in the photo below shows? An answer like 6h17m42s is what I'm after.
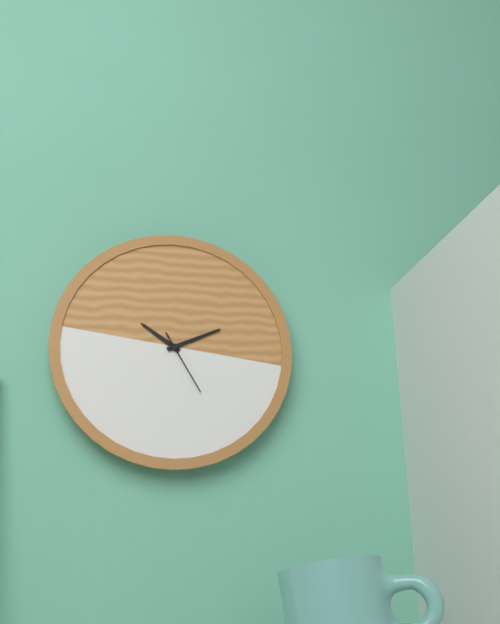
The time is 10h11m25s
